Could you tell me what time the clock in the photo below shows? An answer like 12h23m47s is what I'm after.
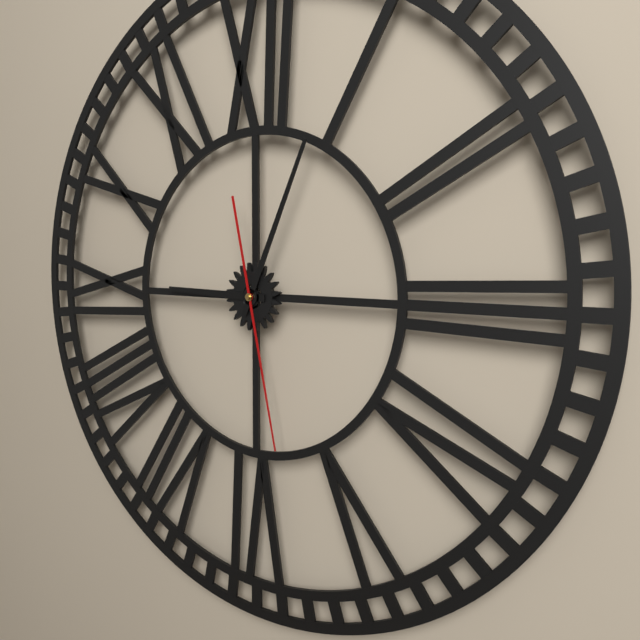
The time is 9h04m28s
